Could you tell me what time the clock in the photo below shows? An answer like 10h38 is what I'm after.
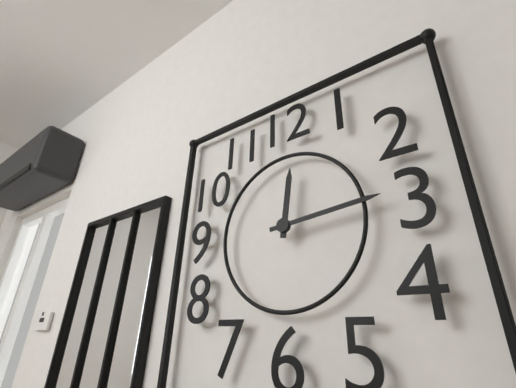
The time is 12h14
